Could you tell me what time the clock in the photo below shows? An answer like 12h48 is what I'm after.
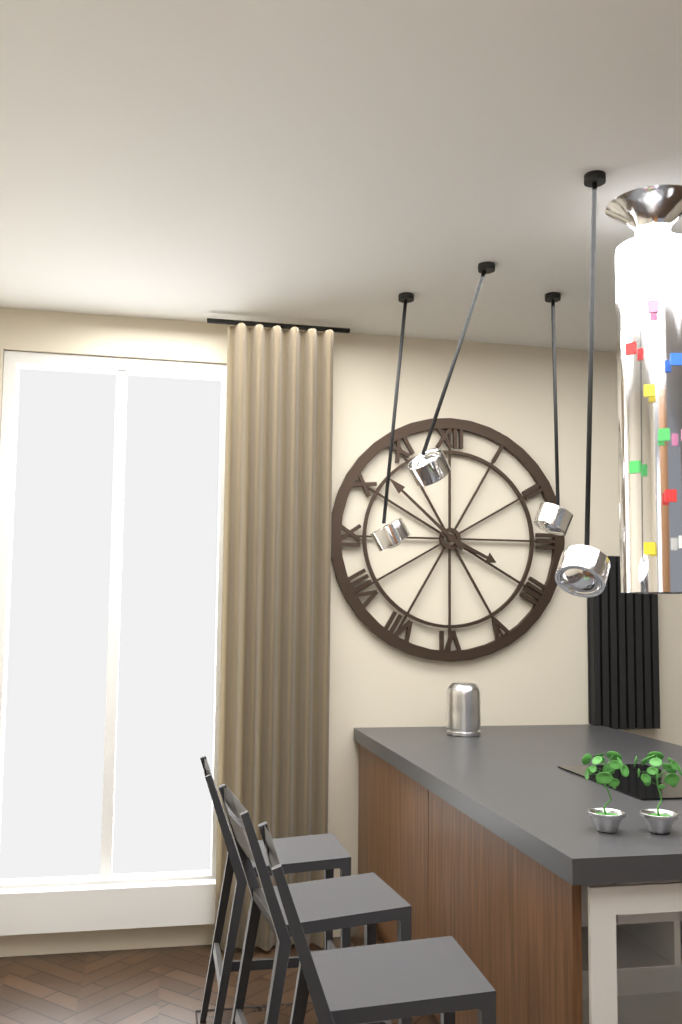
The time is 3h52
